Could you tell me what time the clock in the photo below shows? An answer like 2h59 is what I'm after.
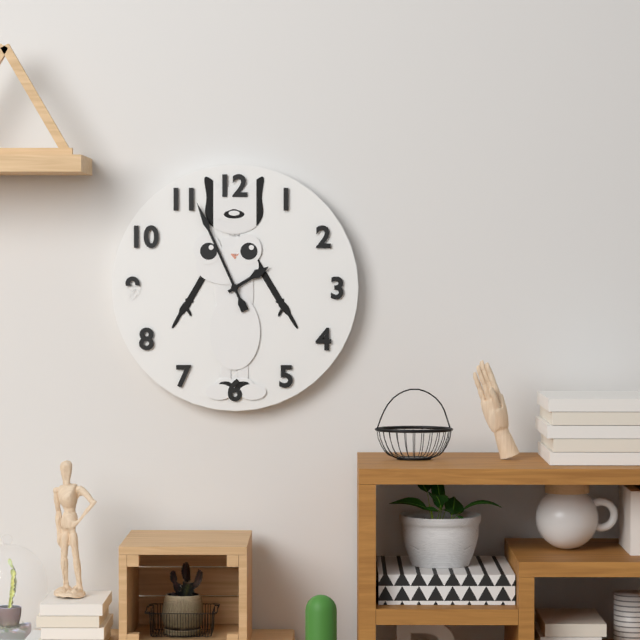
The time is 1h56
